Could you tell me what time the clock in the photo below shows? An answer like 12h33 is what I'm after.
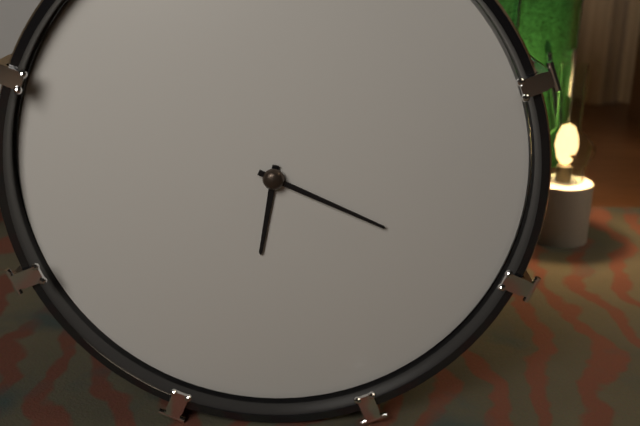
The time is 6h19
